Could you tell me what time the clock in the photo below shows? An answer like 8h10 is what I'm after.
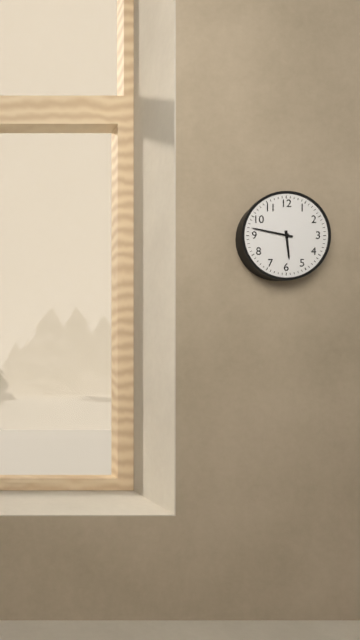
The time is 5h47
